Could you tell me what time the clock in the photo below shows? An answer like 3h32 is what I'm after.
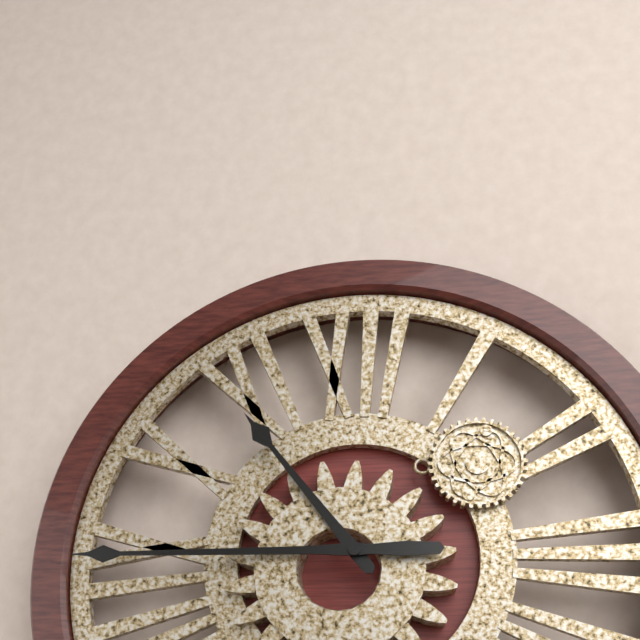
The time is 10h45
